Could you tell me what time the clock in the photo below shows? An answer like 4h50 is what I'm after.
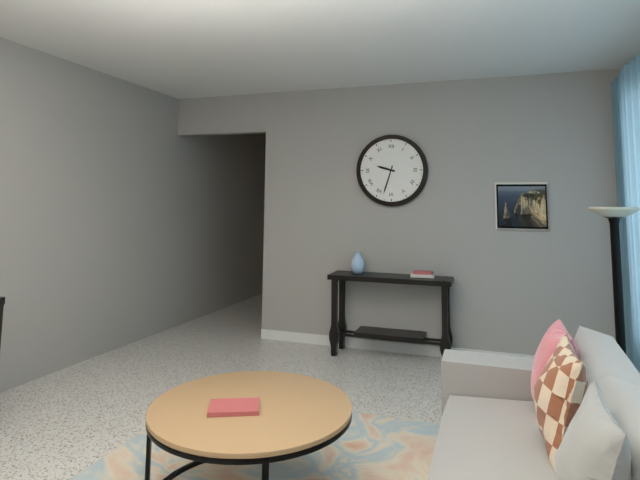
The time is 9h33
